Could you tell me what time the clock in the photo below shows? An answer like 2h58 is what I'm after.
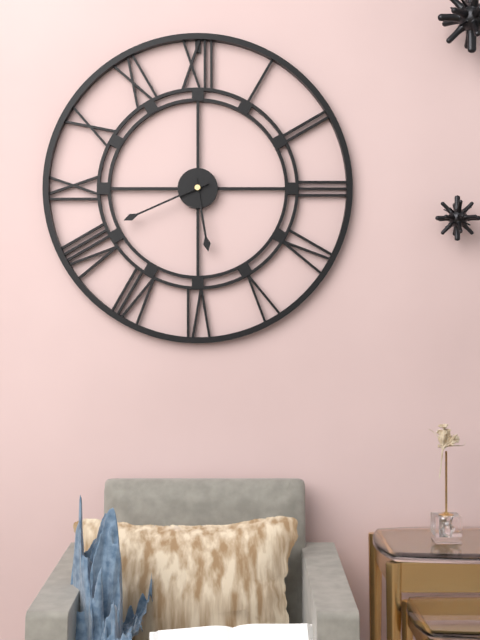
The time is 5h41
